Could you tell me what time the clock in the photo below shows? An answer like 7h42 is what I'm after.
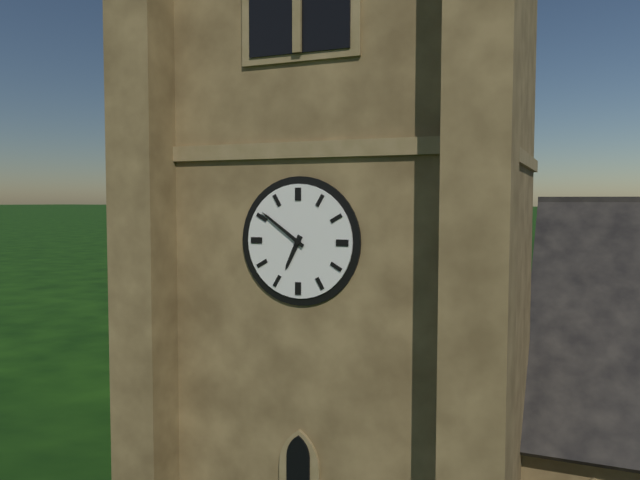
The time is 6h51
